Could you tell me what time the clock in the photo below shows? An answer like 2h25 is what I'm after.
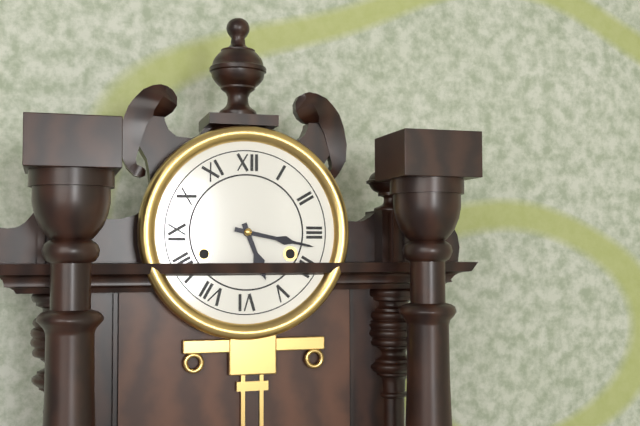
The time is 5h17
